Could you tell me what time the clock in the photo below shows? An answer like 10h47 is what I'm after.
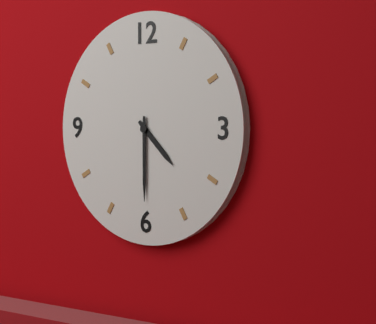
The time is 4h30
